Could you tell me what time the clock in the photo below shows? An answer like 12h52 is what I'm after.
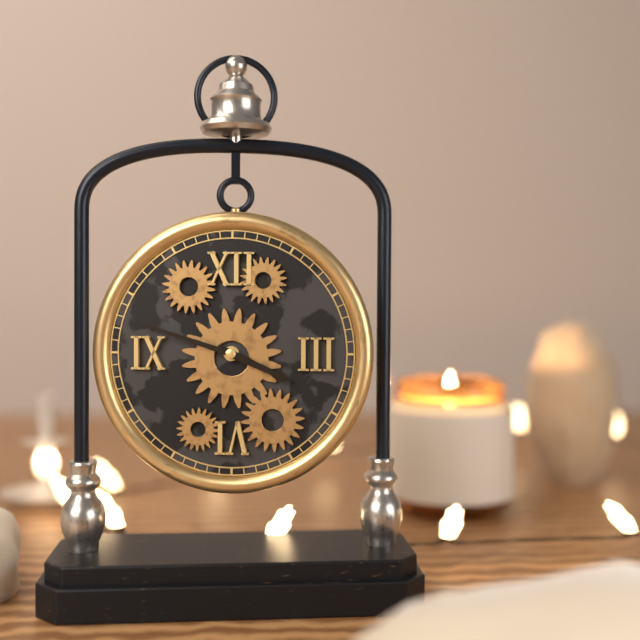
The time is 3h48
